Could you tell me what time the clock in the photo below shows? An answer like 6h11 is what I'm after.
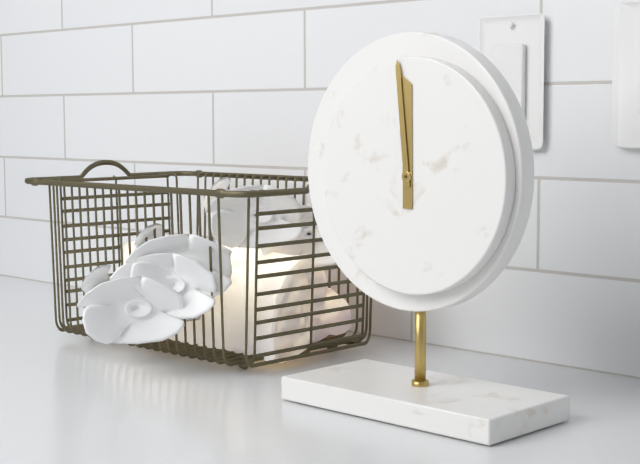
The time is 11h59
